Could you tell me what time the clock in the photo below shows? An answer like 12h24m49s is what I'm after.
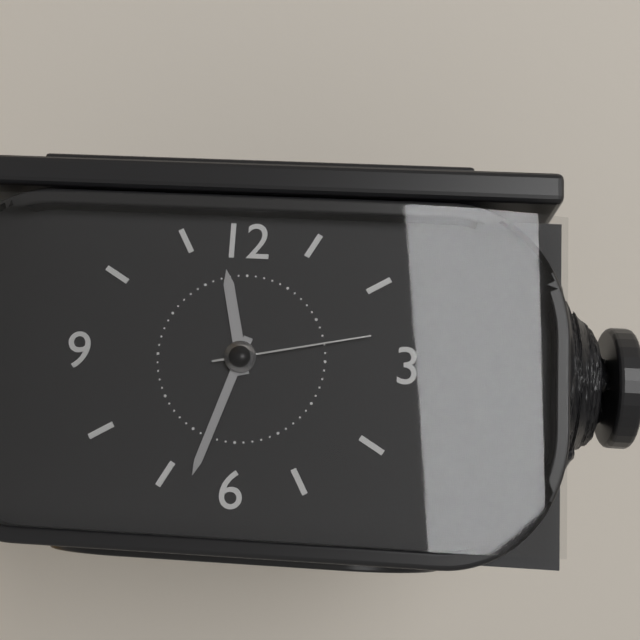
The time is 11h33m13s
